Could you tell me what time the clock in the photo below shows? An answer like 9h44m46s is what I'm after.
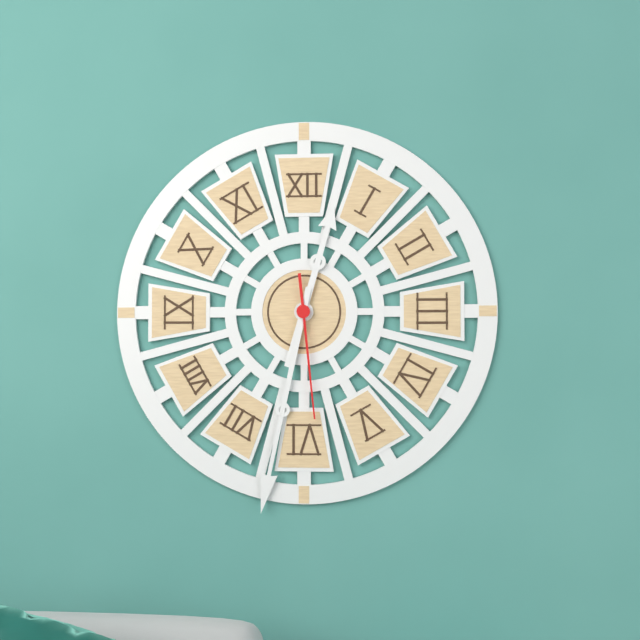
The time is 12h32m29s
